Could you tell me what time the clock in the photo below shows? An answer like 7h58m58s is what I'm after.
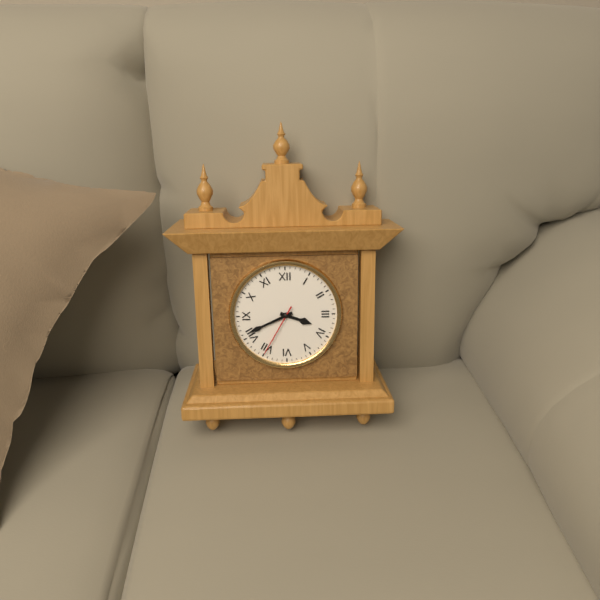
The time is 3h41m35s
